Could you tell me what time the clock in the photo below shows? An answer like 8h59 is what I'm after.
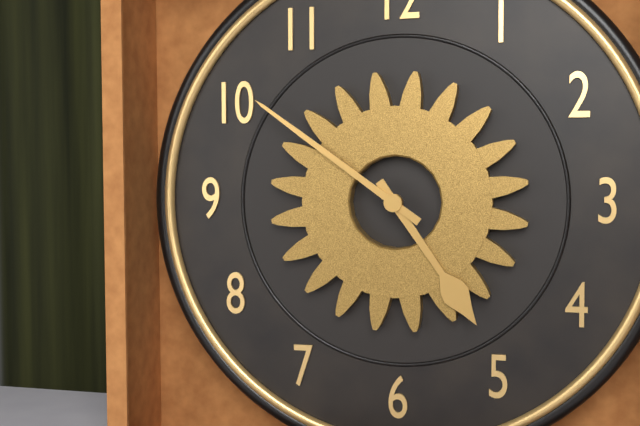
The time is 4h51
